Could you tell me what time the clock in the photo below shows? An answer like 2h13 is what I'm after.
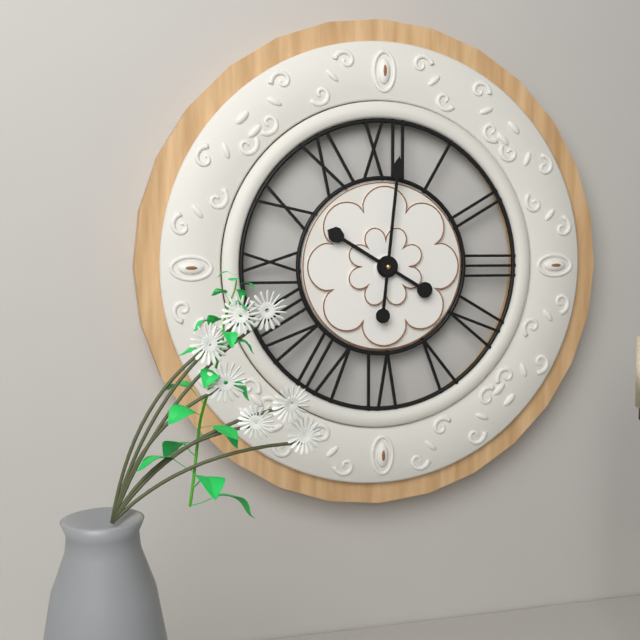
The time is 10h01
